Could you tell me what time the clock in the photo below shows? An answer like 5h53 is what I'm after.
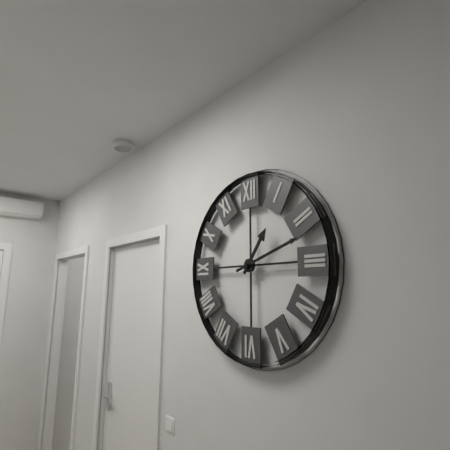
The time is 1h12
